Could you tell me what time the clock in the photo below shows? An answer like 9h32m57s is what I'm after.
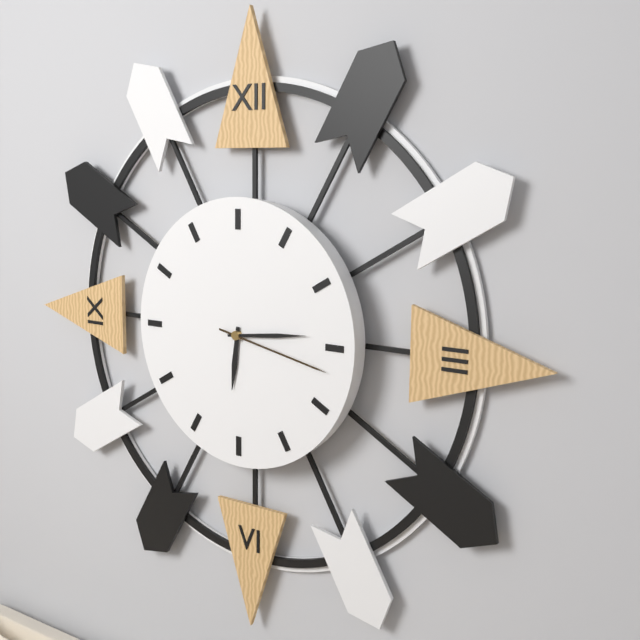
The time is 6h14m17s
